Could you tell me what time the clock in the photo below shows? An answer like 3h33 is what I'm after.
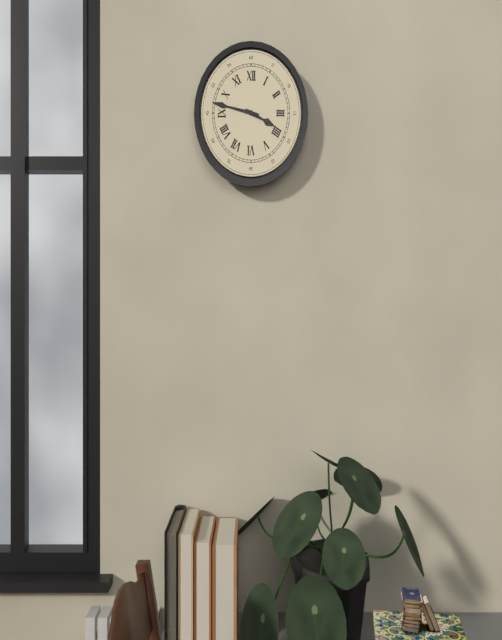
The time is 3h47
